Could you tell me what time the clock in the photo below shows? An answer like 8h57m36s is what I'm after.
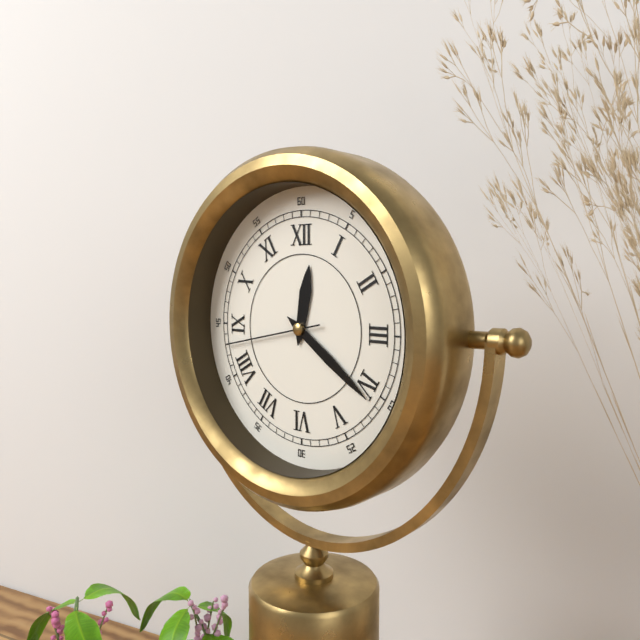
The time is 12h21m43s
